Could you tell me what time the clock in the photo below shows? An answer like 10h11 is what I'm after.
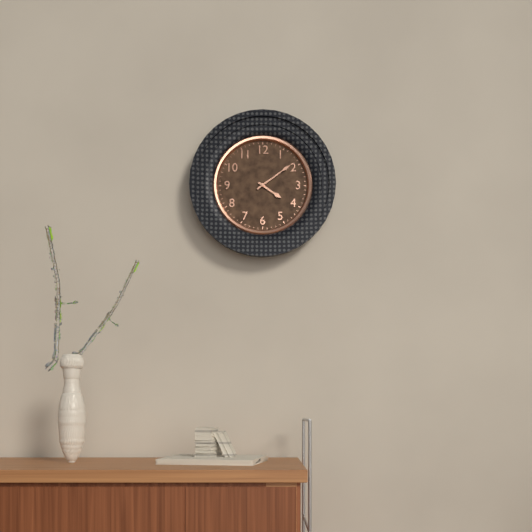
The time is 4h09
